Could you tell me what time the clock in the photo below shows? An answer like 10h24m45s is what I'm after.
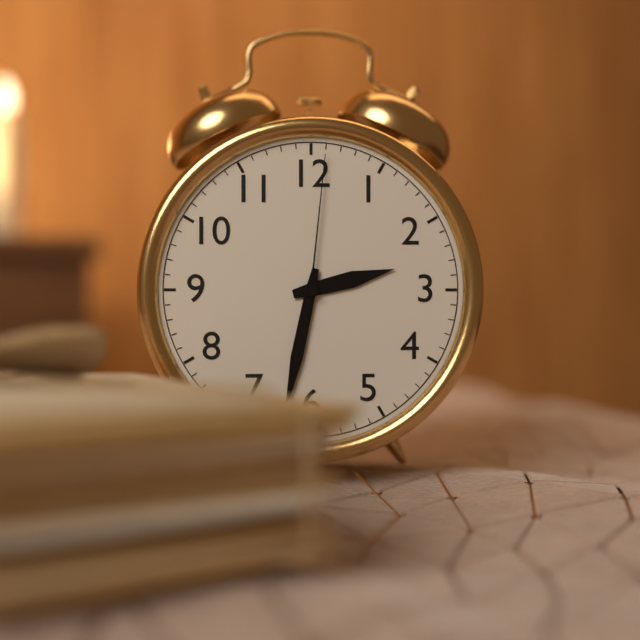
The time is 2h32m01s
